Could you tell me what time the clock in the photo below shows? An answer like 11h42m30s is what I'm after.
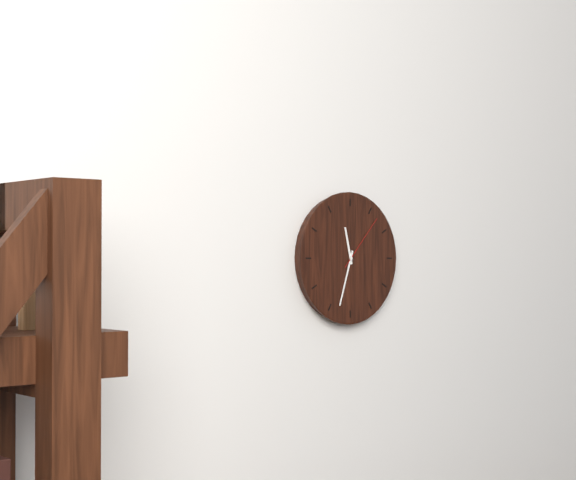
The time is 11h33m07s
